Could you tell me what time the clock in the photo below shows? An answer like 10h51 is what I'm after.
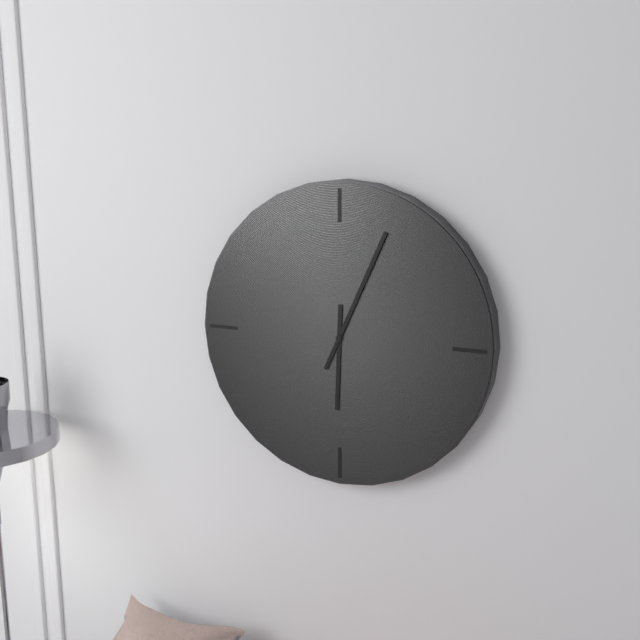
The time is 6h04
